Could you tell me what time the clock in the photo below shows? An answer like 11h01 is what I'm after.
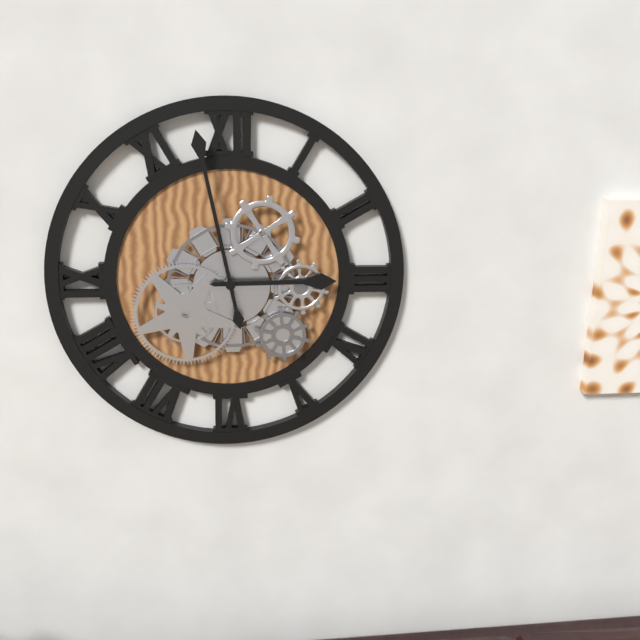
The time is 2h58
